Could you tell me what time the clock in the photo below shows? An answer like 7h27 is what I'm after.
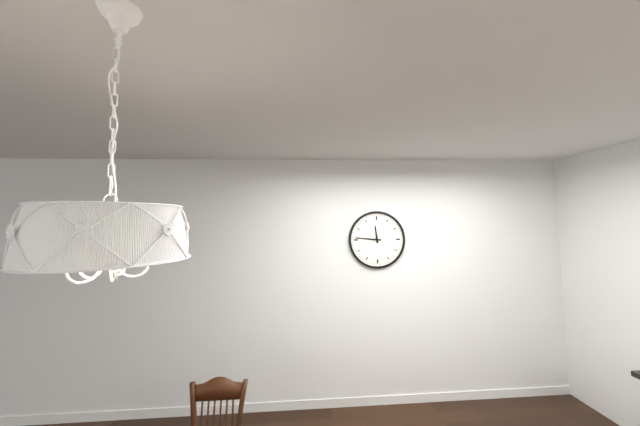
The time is 11h46
